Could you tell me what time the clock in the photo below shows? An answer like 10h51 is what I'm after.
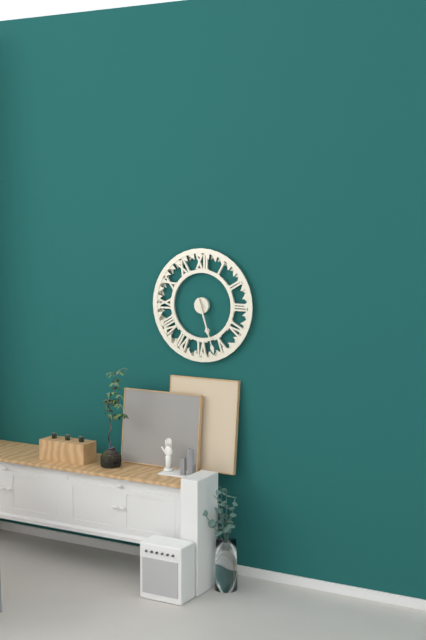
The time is 5h27
